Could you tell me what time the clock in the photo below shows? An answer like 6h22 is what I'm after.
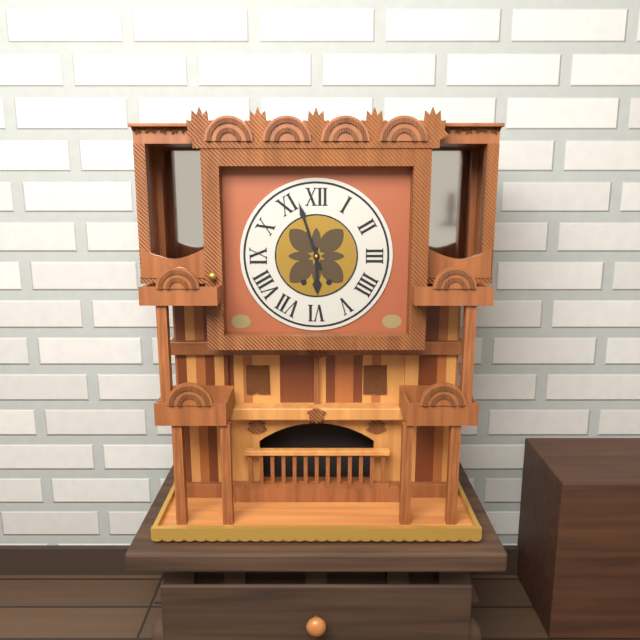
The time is 5h57
